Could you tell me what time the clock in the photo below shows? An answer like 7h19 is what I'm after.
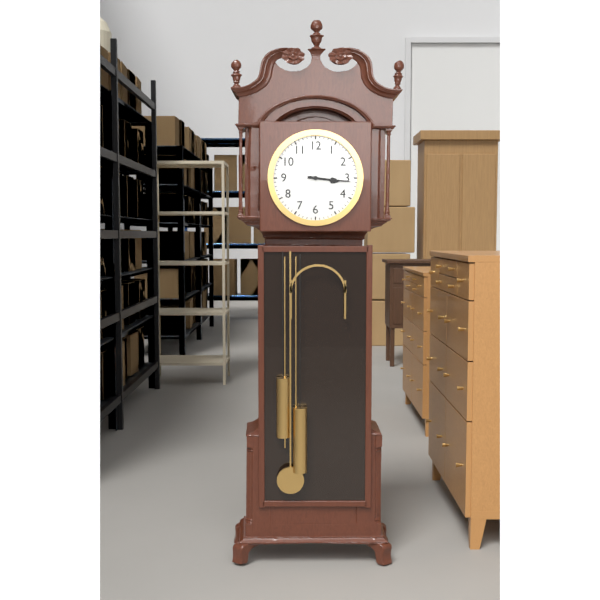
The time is 3h16
